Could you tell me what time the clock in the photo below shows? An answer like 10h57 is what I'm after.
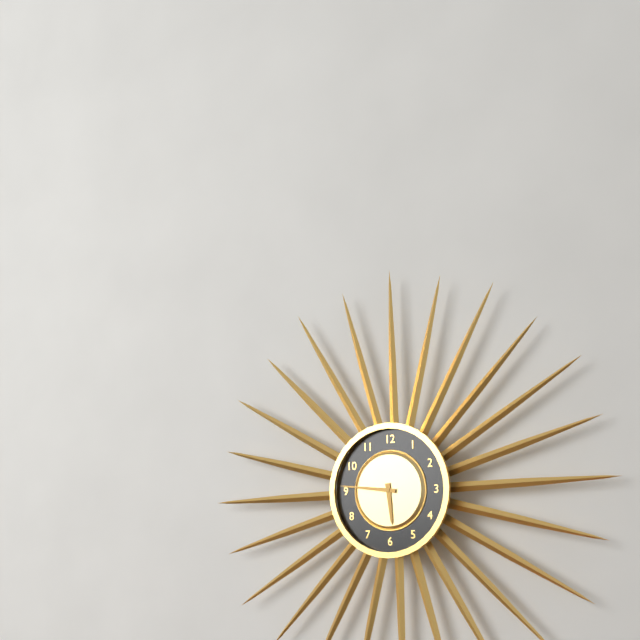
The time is 5h46
